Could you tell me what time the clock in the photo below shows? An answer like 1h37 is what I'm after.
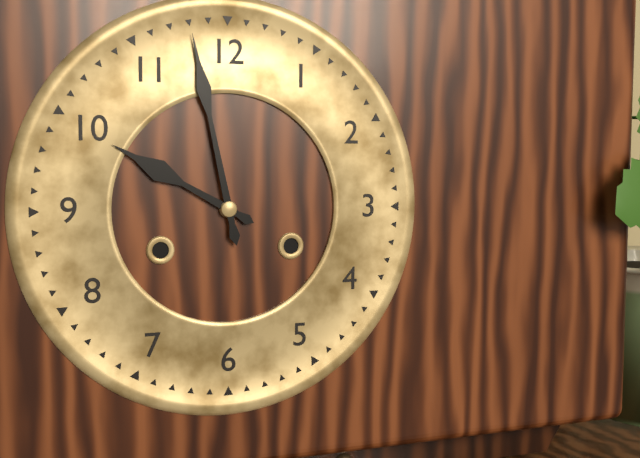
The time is 9h58
